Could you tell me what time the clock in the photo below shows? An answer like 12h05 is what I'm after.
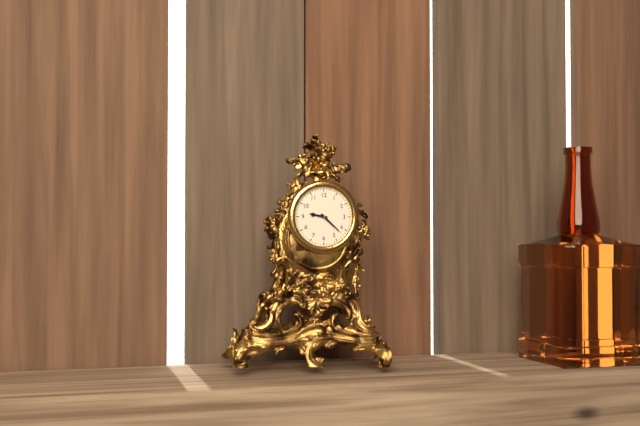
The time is 9h22
